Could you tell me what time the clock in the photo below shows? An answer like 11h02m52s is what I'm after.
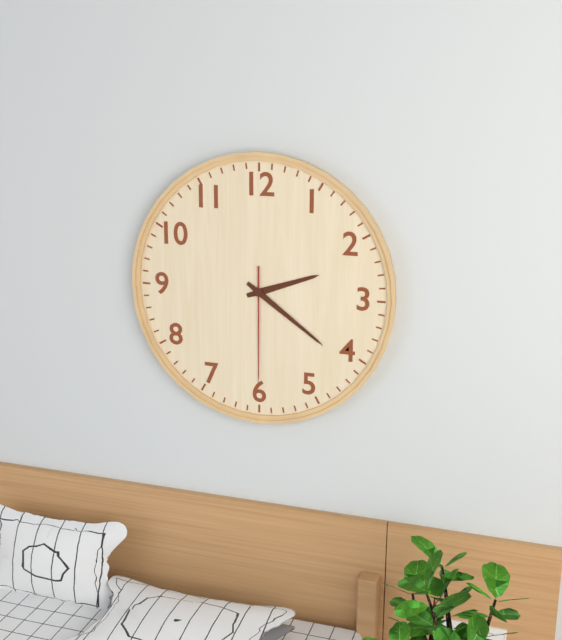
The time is 2h21m30s
